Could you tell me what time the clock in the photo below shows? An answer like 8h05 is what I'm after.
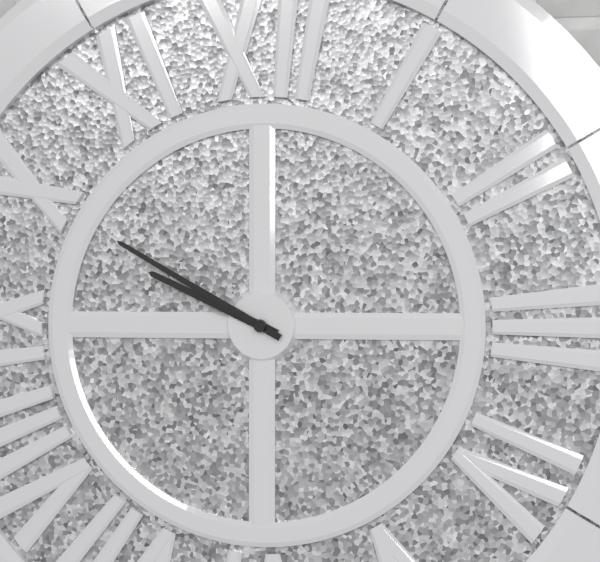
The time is 9h50
